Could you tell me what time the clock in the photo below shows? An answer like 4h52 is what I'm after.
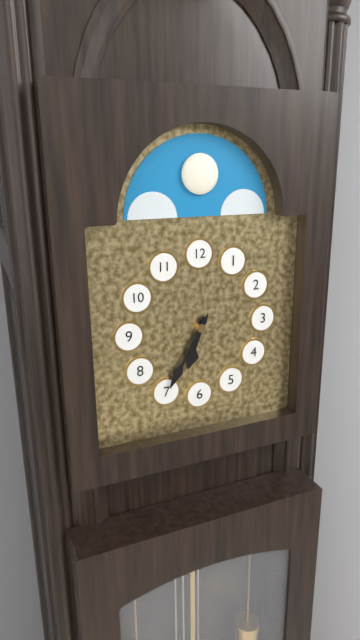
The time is 6h35
